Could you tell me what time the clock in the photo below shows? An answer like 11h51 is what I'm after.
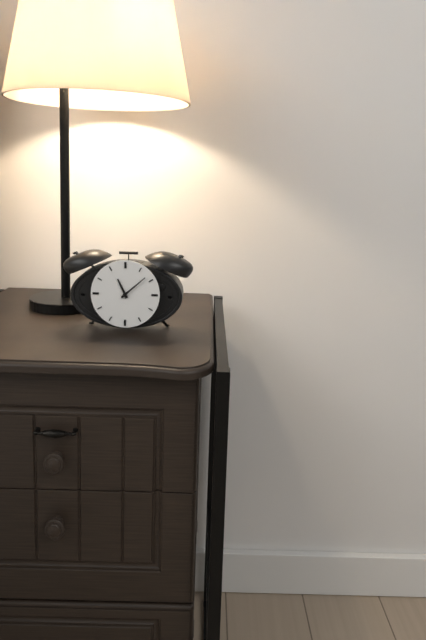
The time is 11h08
